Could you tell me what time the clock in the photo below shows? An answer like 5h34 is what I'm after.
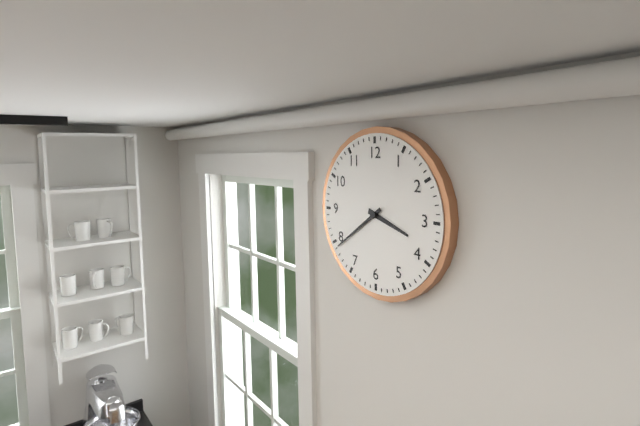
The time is 3h39
